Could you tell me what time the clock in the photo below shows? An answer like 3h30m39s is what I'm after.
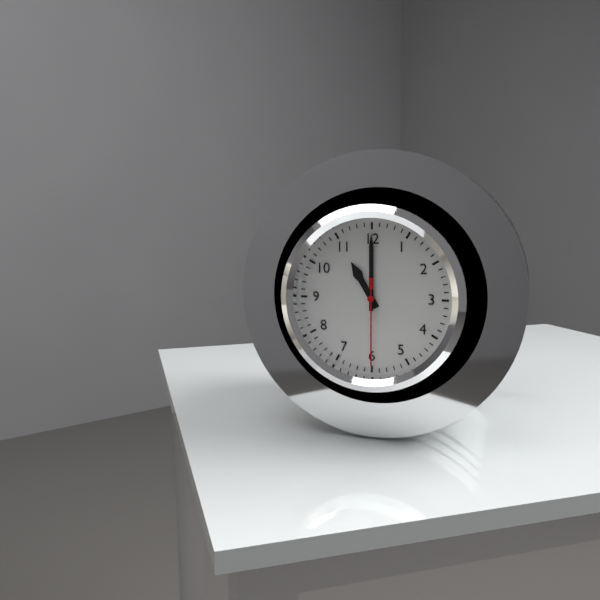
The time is 11h00m30s
